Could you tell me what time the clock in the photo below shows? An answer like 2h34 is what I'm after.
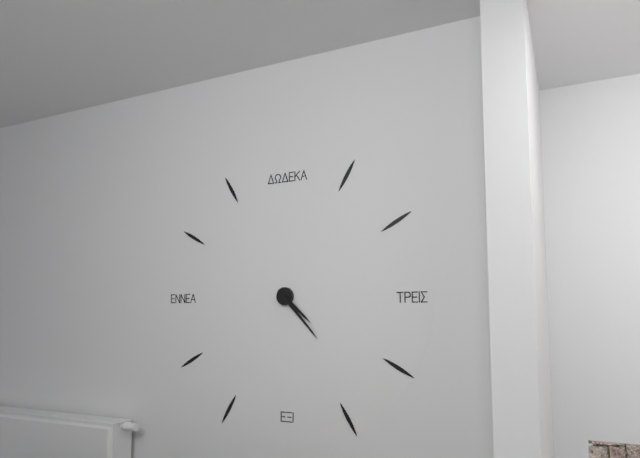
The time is 4h23
